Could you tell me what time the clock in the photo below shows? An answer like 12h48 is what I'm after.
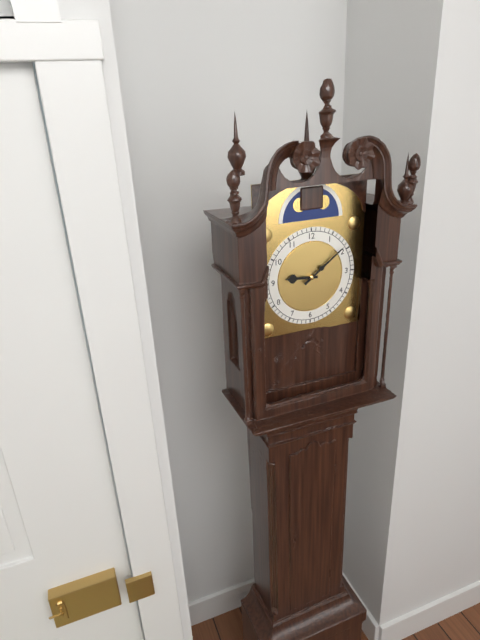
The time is 9h09
